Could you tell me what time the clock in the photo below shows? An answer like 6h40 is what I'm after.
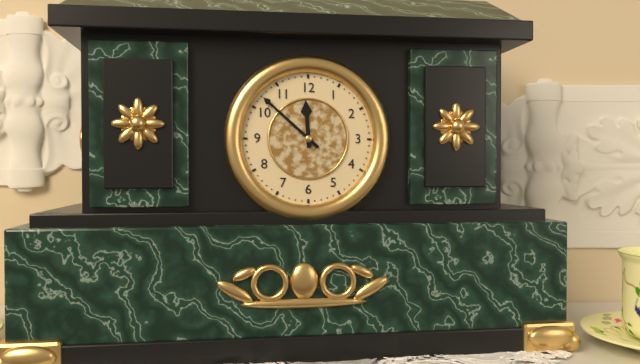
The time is 11h52
